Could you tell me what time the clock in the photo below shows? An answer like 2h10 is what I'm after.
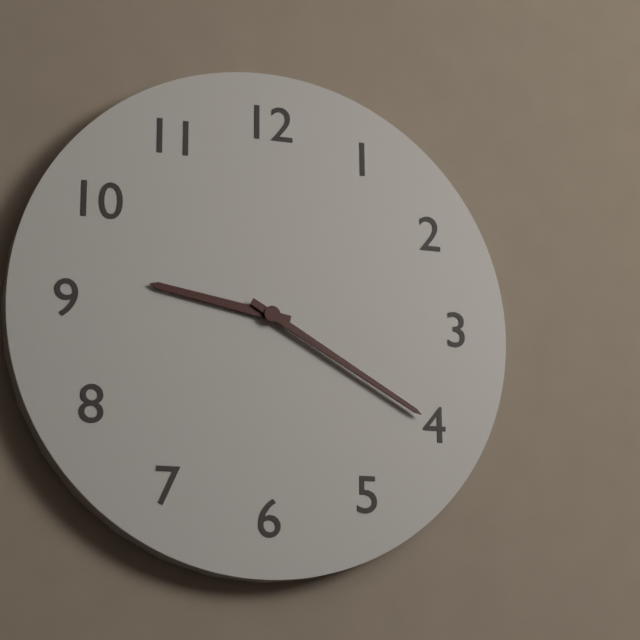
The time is 9h20
